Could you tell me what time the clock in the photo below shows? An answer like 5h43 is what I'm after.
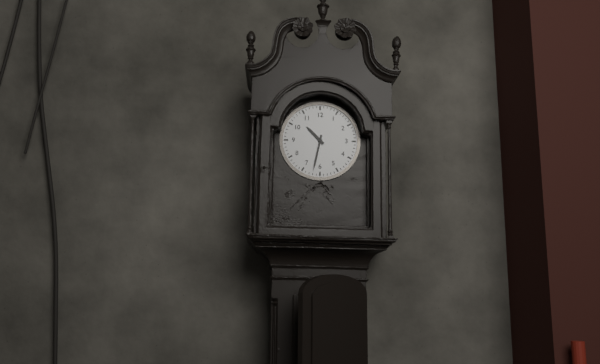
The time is 10h32
